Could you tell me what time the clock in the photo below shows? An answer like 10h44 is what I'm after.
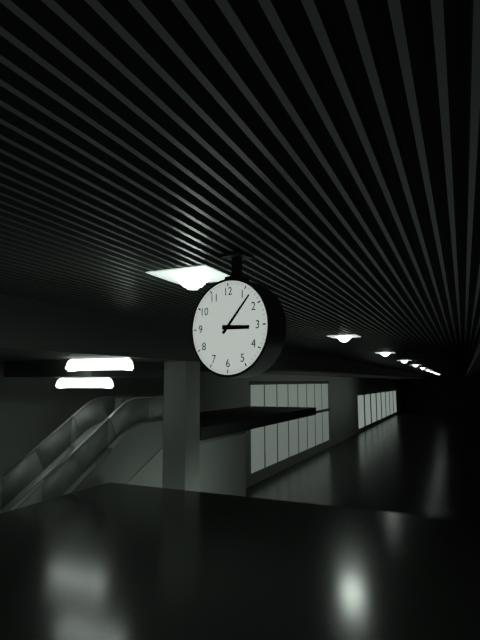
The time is 3h07
